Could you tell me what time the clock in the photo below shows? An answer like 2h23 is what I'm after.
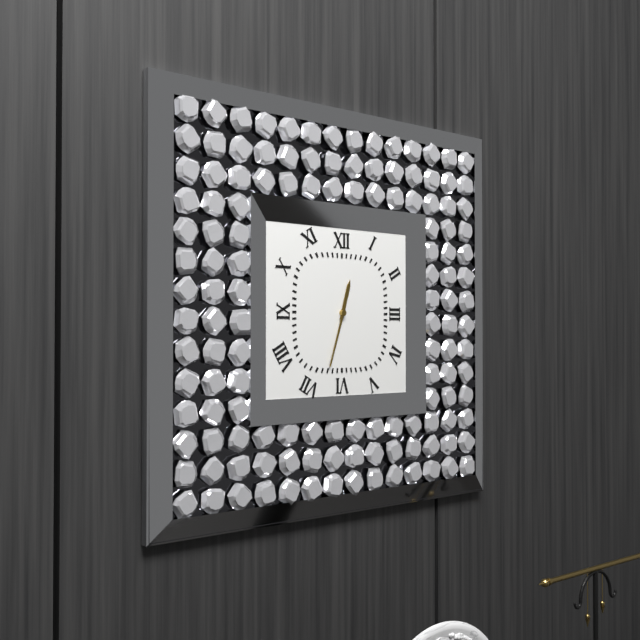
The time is 12h33
